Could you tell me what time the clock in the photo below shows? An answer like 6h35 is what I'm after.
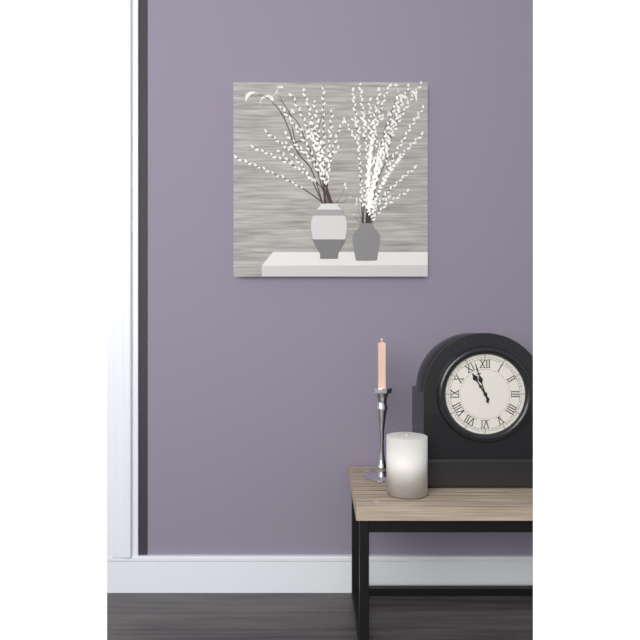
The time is 10h57
